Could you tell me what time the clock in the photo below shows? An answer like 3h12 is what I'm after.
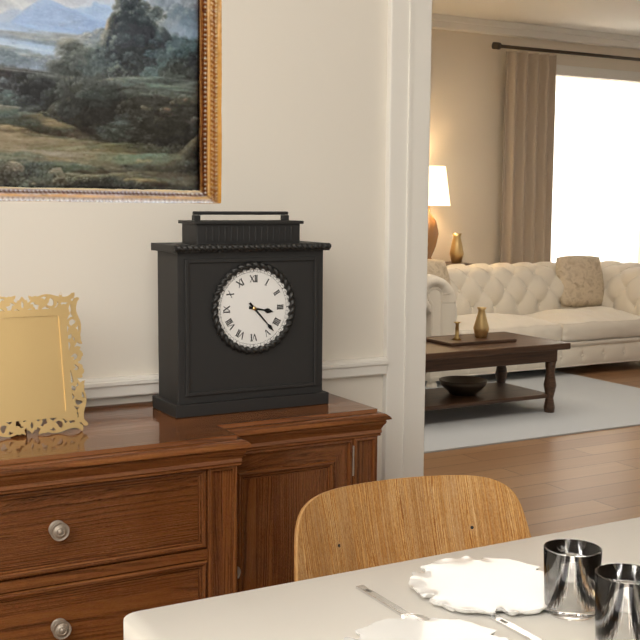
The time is 3h23
